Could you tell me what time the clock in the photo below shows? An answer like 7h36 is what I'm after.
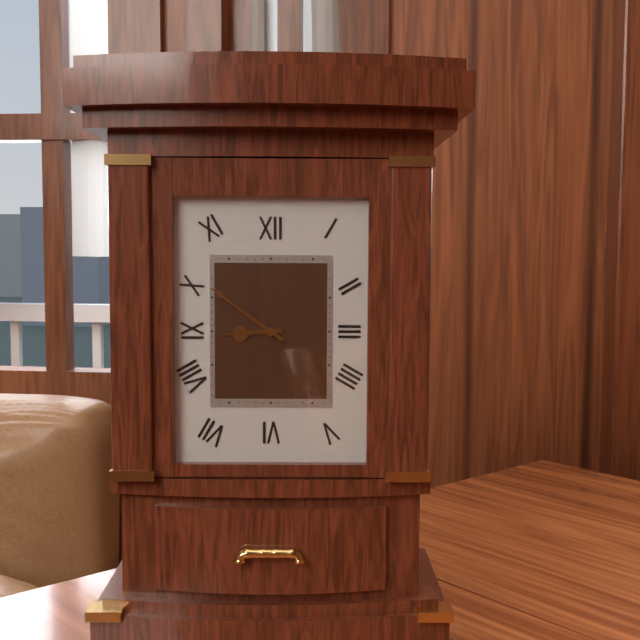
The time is 8h51
